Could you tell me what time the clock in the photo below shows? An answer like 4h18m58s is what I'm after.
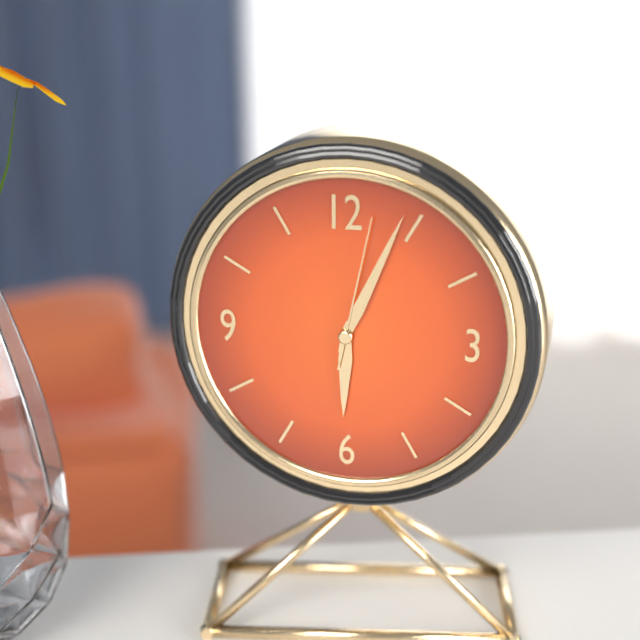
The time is 6h04m02s
